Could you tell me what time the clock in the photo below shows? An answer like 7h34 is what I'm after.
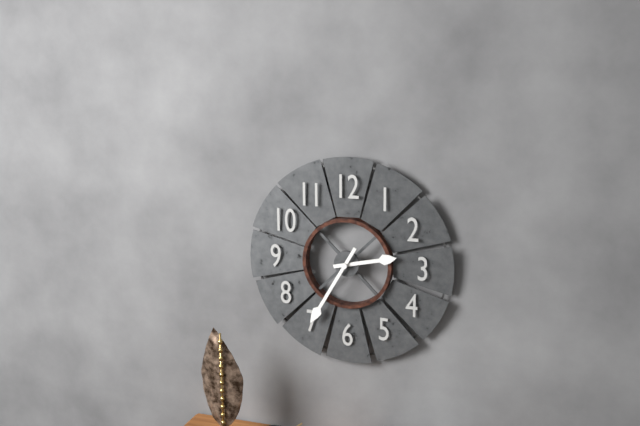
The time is 2h35
